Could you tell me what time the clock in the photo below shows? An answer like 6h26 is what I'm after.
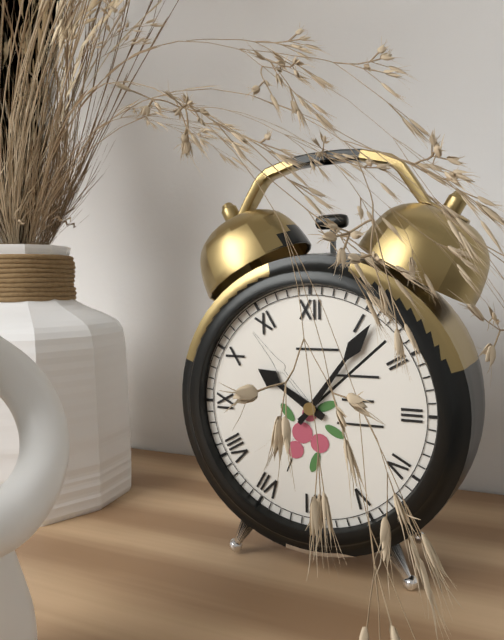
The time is 10h06
